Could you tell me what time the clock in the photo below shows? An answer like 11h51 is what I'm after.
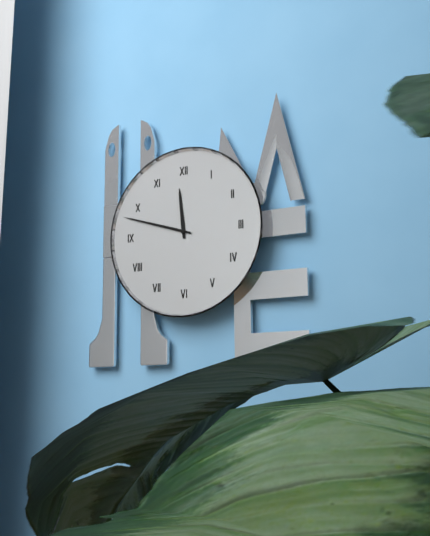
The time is 11h48
